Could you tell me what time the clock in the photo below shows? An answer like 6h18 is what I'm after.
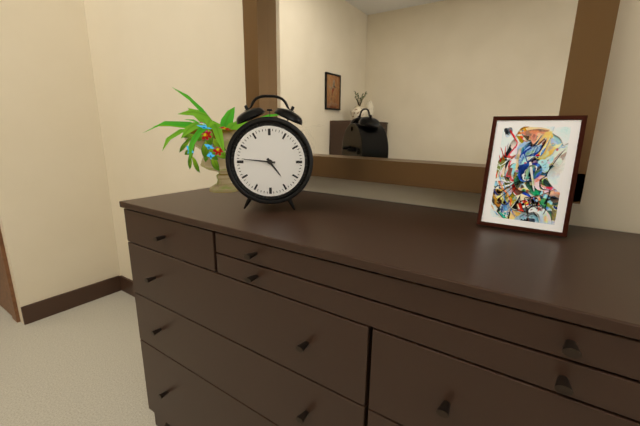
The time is 4h46
